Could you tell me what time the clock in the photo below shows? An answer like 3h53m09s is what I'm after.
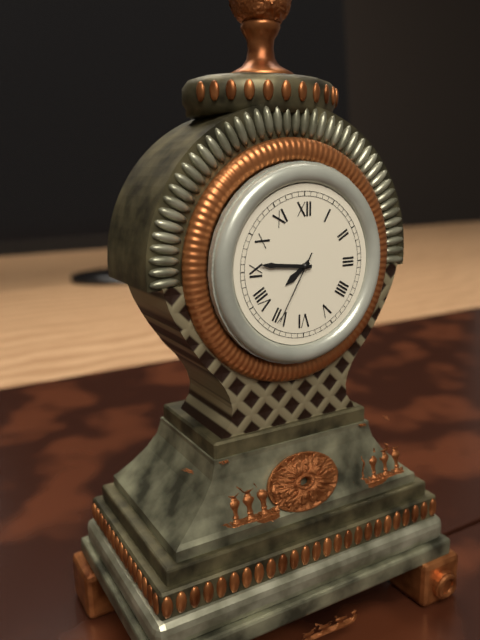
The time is 7h46m35s
